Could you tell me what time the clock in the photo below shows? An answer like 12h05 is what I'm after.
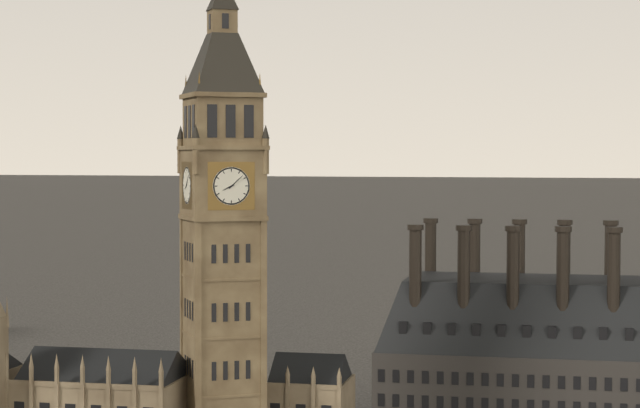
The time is 8h08
